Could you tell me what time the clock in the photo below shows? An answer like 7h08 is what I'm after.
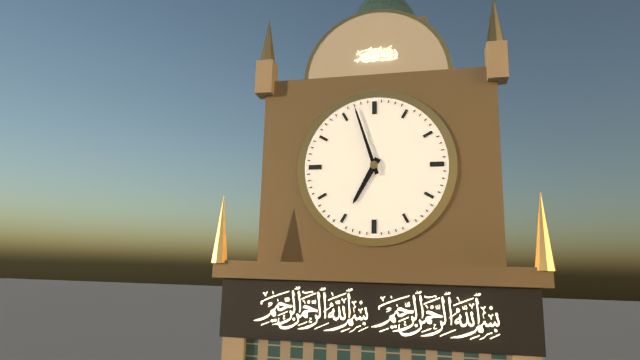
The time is 6h57
